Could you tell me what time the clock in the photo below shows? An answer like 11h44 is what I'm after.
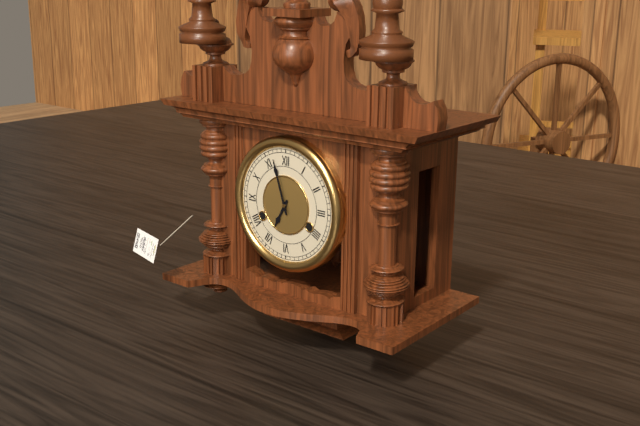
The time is 6h57
